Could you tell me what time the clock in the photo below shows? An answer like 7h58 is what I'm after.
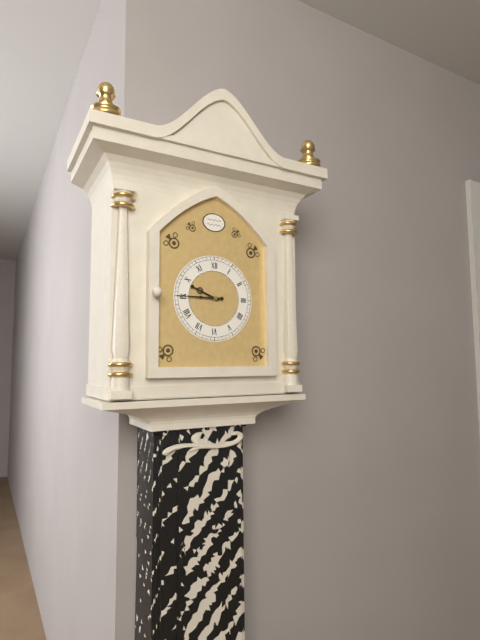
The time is 9h45
